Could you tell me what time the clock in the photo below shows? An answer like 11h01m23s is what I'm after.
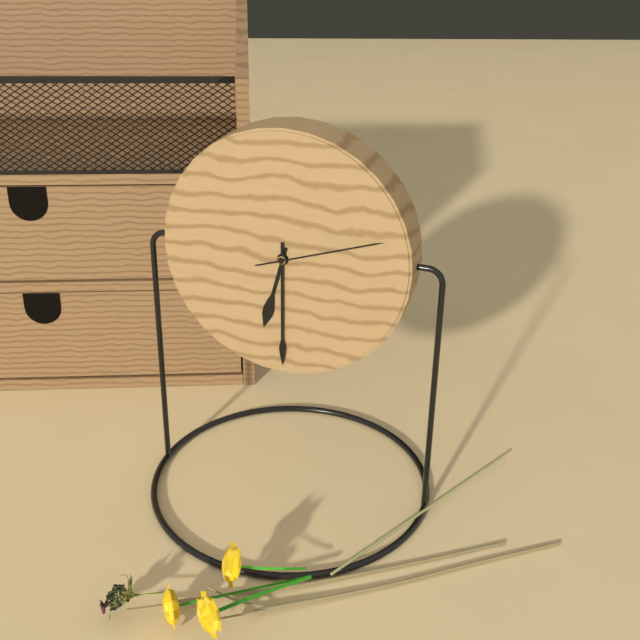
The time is 6h30m12s
